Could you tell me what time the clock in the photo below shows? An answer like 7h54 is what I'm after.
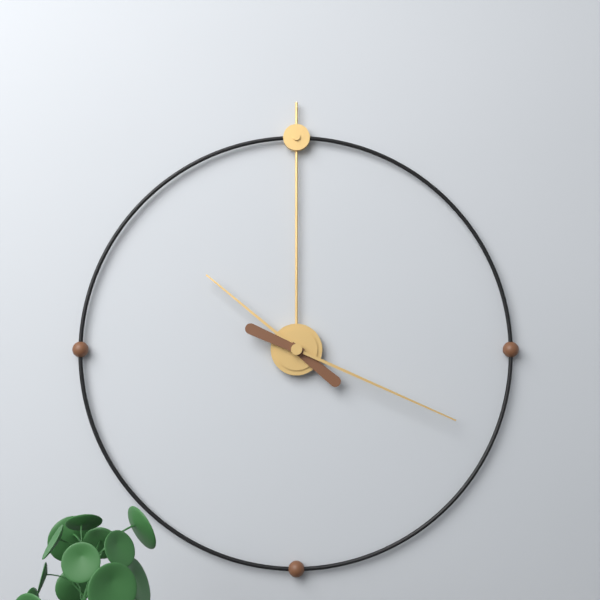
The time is 10h19
